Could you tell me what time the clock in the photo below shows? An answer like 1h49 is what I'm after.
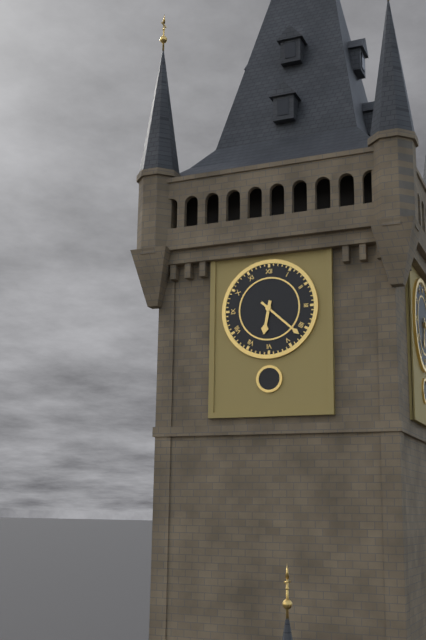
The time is 6h22
